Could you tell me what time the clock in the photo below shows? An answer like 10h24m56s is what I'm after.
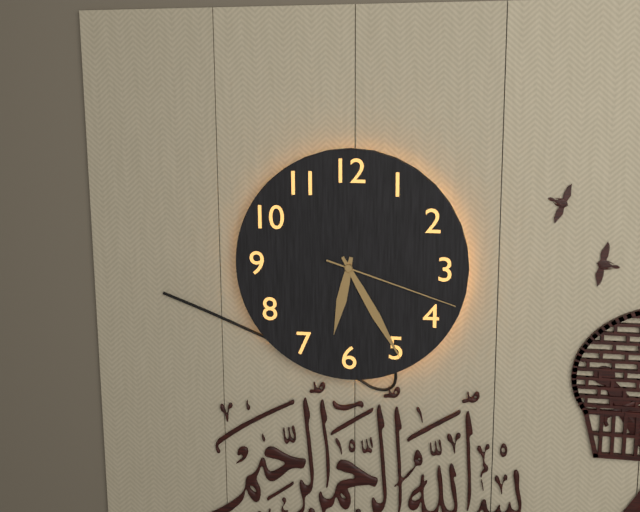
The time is 6h25m18s
